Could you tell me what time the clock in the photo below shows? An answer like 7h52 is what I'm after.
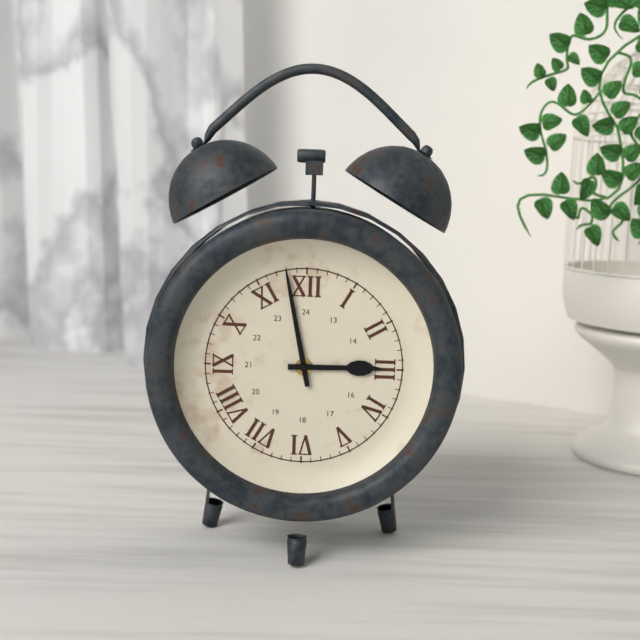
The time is 2h58
